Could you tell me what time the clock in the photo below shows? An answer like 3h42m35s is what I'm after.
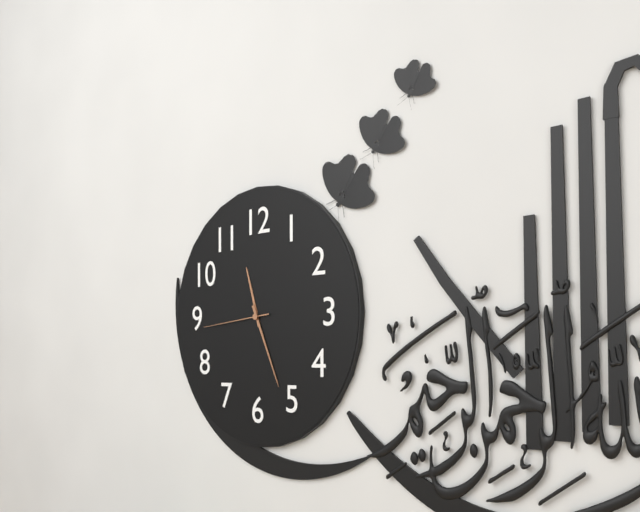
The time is 11h26m44s
